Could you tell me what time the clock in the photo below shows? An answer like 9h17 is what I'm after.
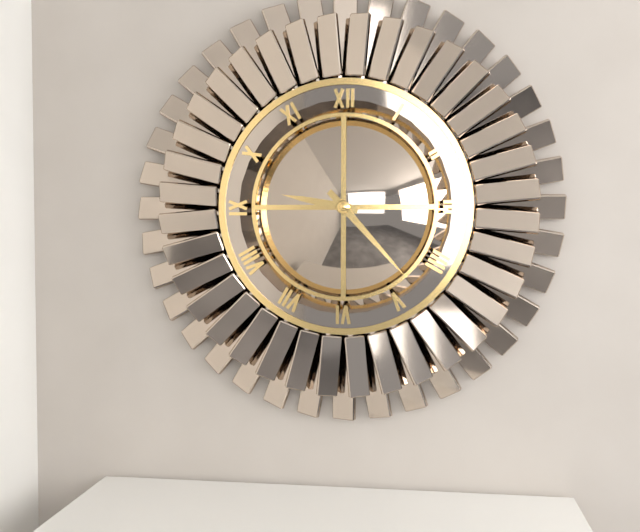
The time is 9h23
